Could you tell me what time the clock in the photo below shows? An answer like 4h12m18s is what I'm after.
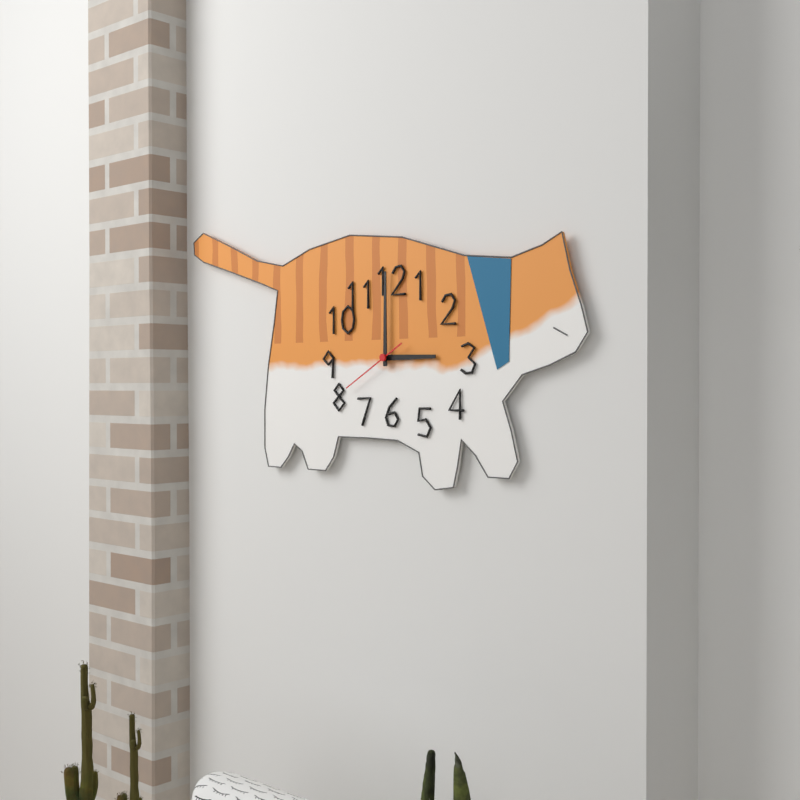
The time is 3h00m40s
